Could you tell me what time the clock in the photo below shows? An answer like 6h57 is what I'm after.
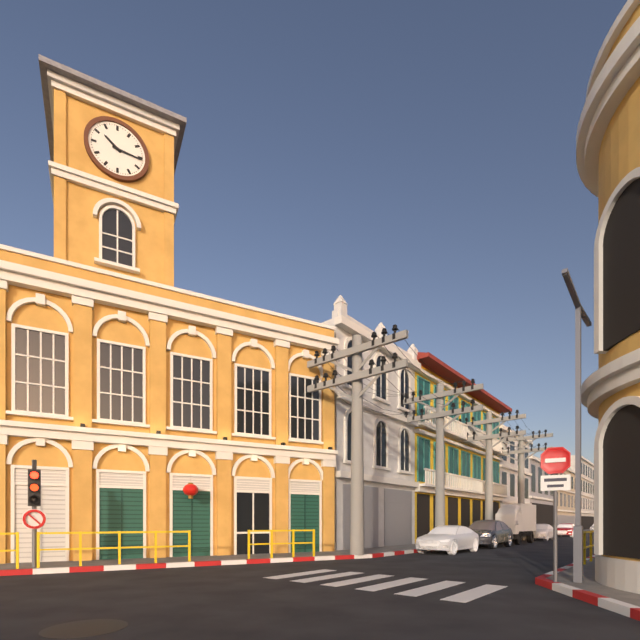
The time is 10h16
